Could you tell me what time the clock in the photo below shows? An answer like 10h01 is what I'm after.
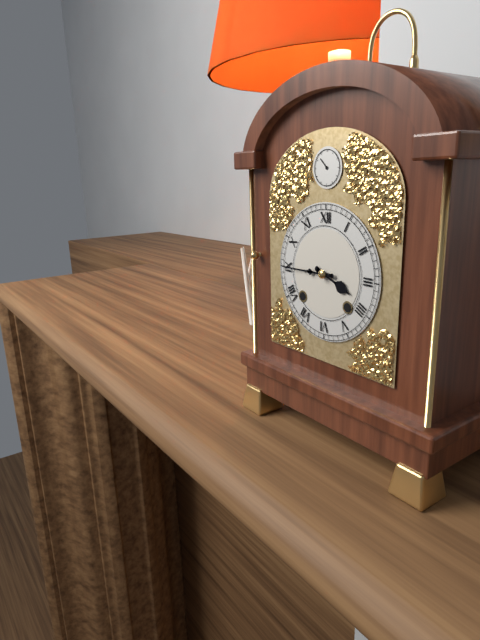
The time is 3h45
